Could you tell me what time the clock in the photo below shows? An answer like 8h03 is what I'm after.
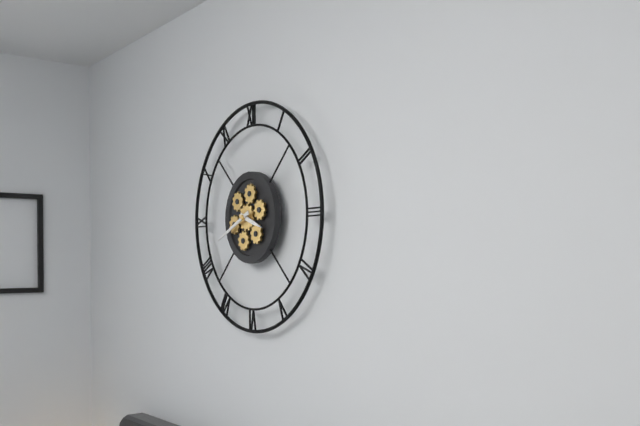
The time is 3h41
